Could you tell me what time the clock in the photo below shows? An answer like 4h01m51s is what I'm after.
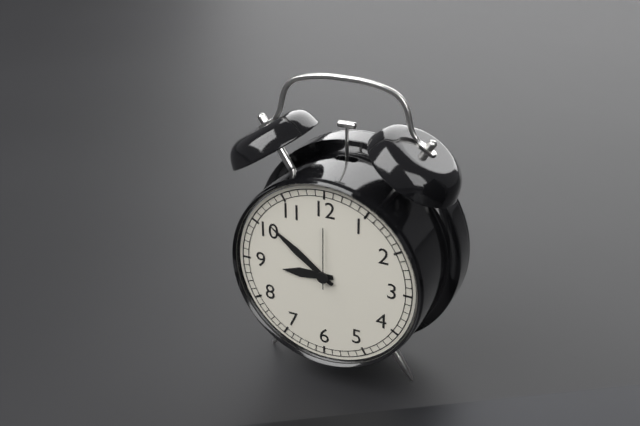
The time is 8h51m00s
